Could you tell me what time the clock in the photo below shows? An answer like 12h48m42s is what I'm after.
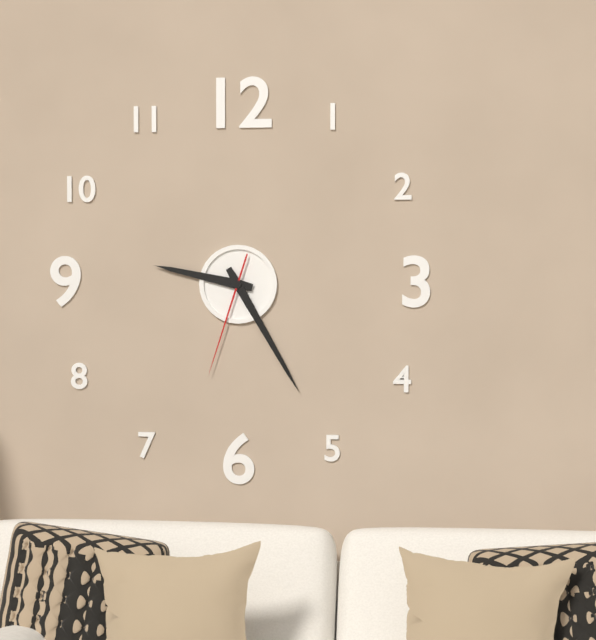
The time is 9h25m33s
